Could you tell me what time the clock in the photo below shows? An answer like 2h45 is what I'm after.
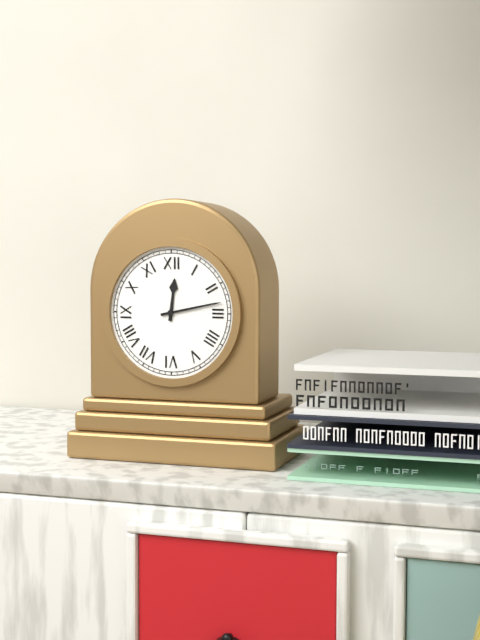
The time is 12h13
